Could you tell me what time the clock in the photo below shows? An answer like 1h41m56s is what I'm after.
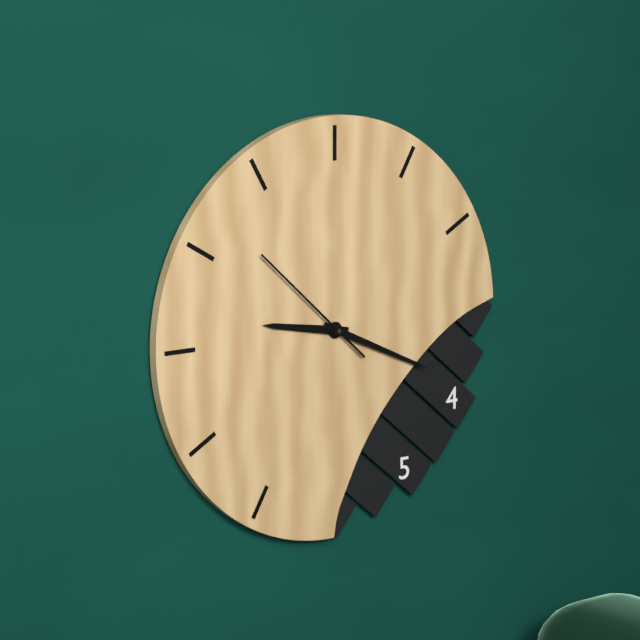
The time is 9h19m52s
